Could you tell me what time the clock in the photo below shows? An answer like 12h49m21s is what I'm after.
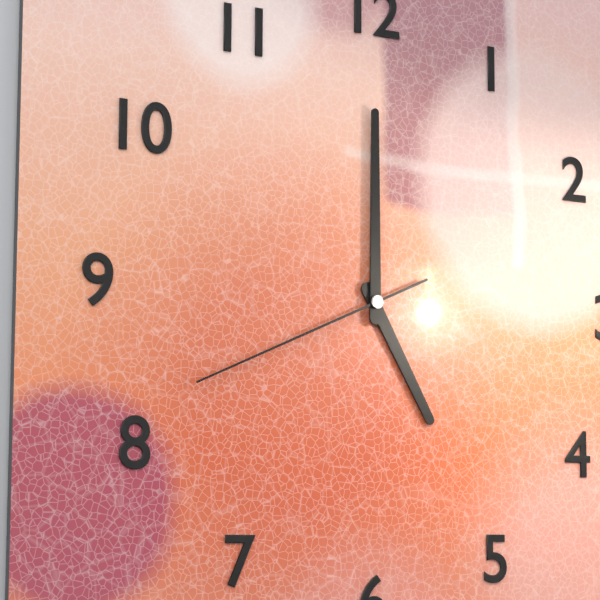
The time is 5h00m41s
